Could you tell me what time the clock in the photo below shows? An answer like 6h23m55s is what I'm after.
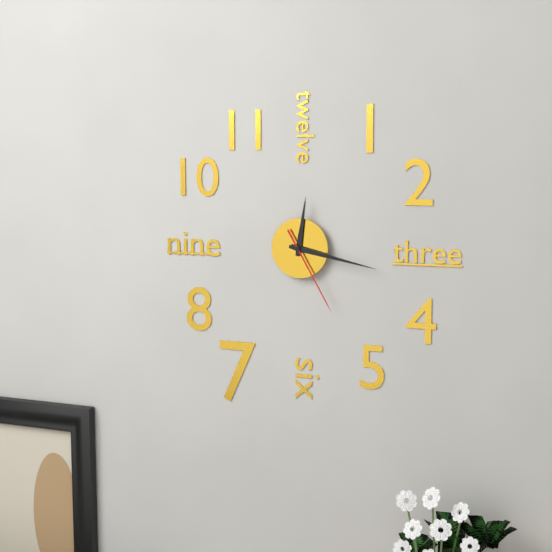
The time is 12h17m25s
